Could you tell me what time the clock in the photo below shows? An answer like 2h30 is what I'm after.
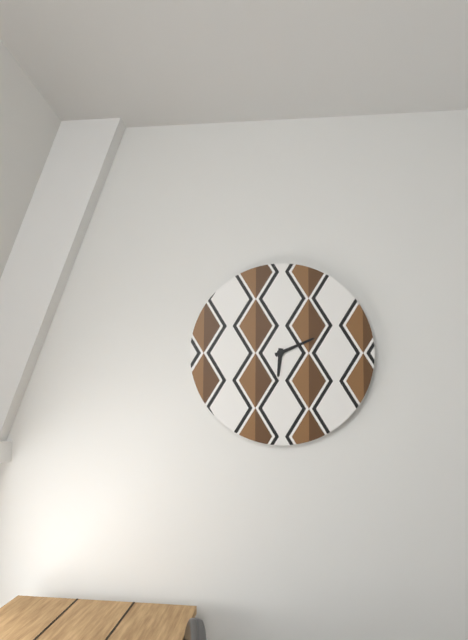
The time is 6h11
